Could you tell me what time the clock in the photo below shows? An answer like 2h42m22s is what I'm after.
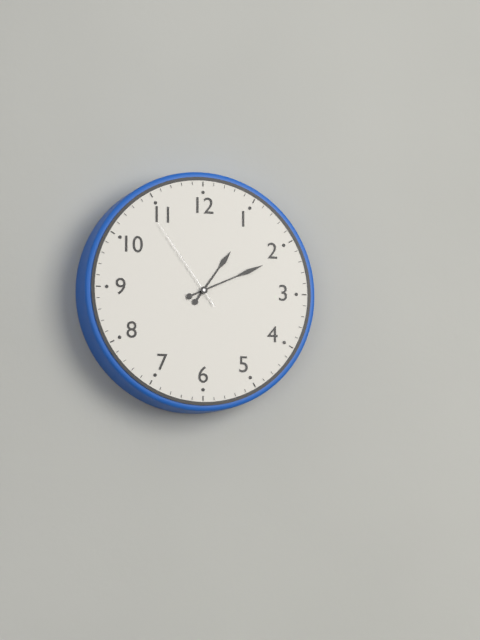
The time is 1h11m54s
